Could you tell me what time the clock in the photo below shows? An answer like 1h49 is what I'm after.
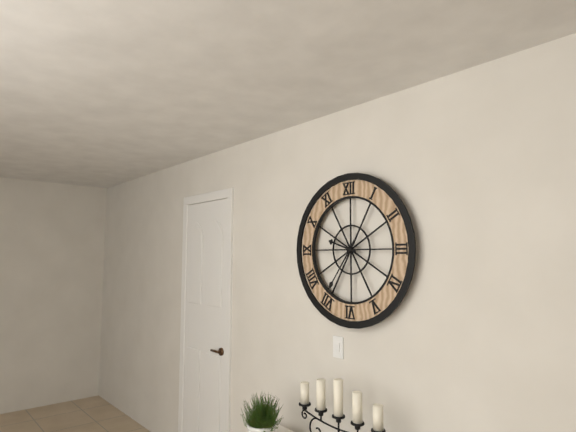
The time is 9h36
